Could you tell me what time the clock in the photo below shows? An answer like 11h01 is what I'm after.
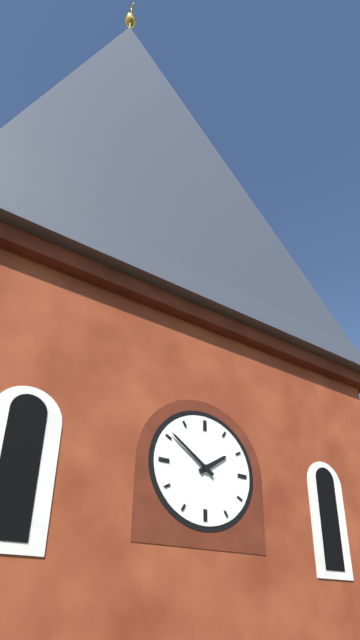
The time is 1h51
